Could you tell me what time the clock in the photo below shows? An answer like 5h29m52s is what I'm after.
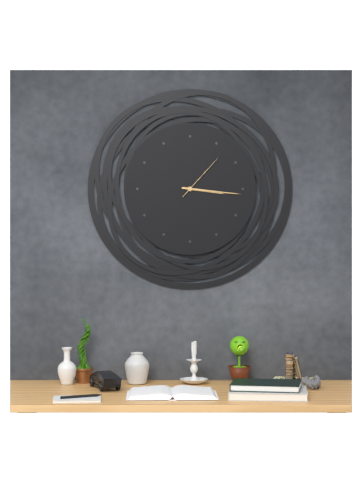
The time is 3h16m07s
